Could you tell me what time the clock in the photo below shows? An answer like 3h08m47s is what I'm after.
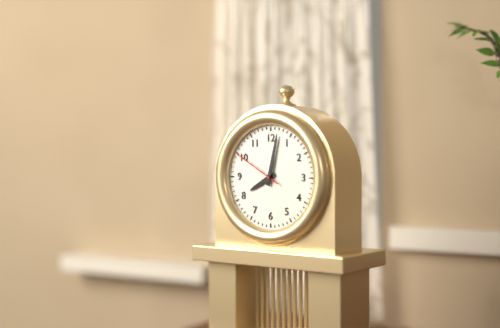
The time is 8h02m50s
